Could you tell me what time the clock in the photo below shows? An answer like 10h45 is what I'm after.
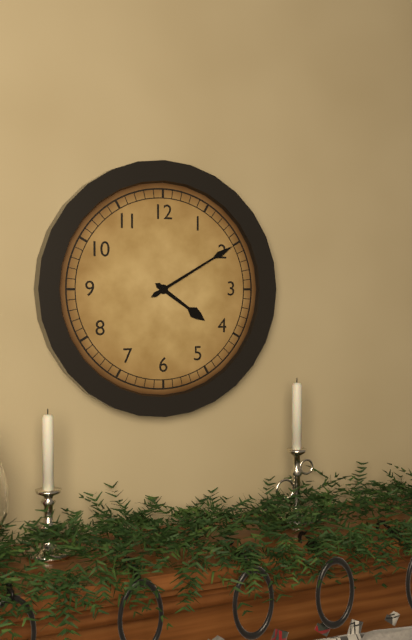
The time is 4h10
